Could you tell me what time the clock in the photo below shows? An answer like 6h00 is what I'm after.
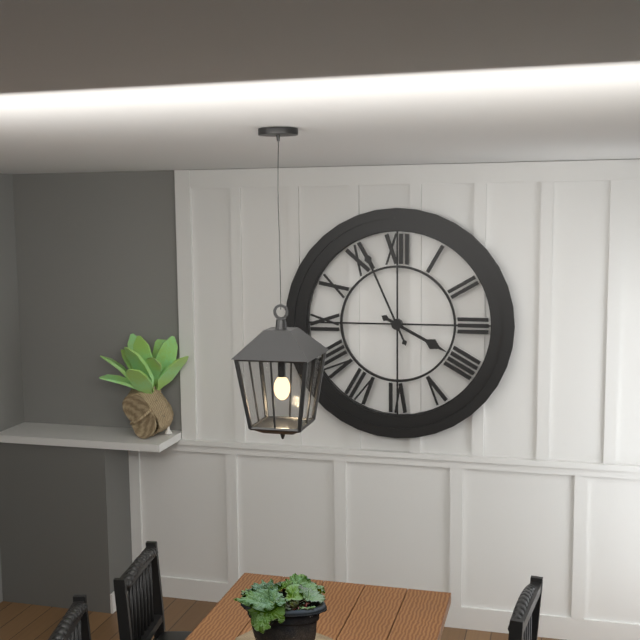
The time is 3h56
